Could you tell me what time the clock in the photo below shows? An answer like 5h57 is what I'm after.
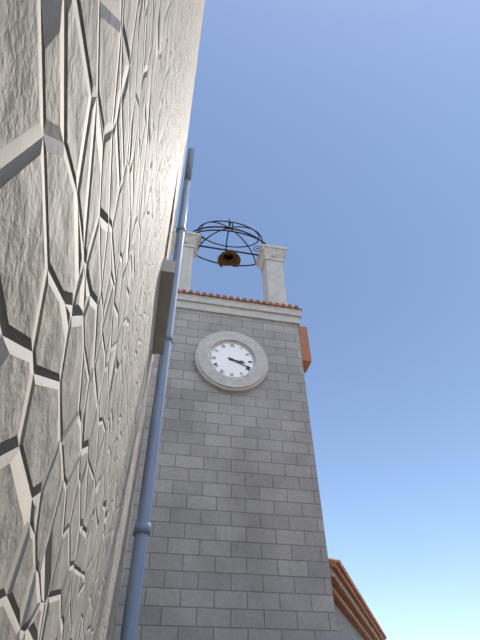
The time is 3h19
